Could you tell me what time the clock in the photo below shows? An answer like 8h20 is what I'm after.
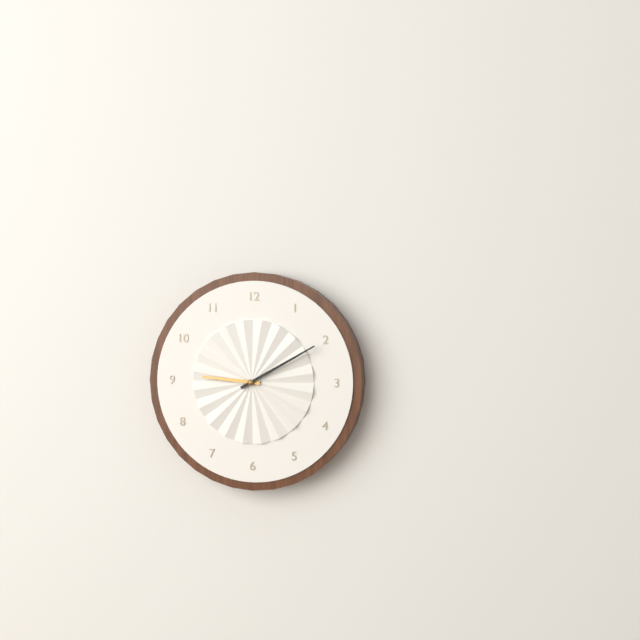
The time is 9h10
